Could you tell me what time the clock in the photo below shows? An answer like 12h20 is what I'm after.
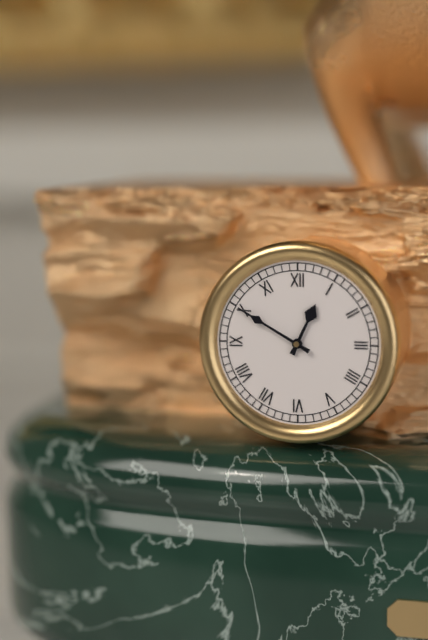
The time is 12h50
